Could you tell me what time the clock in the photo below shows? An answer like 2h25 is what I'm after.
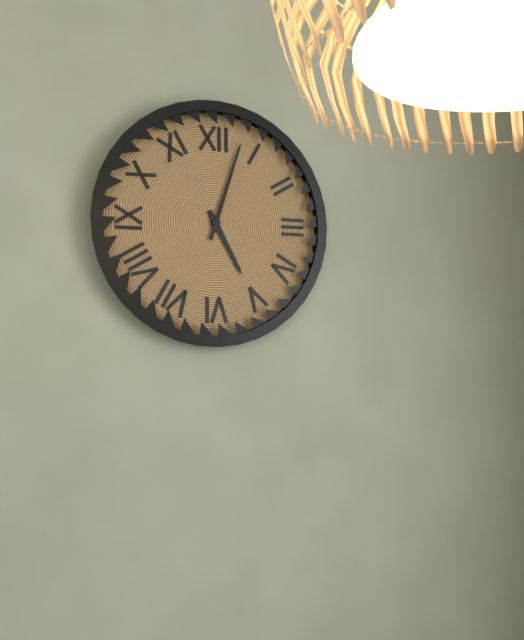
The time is 5h03
